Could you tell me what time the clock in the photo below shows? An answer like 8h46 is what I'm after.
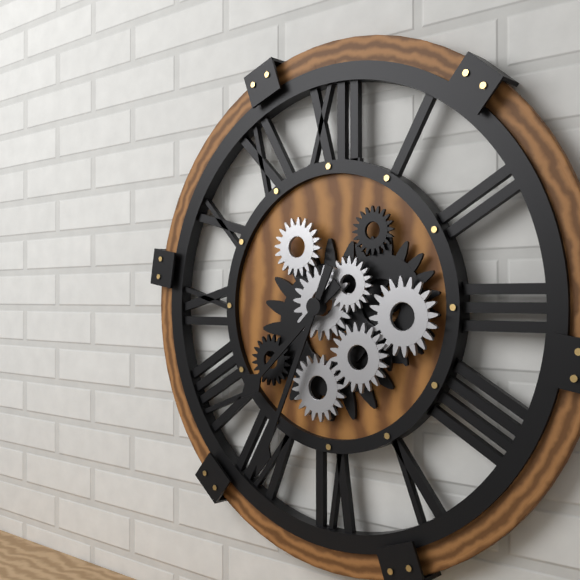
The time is 7h34
